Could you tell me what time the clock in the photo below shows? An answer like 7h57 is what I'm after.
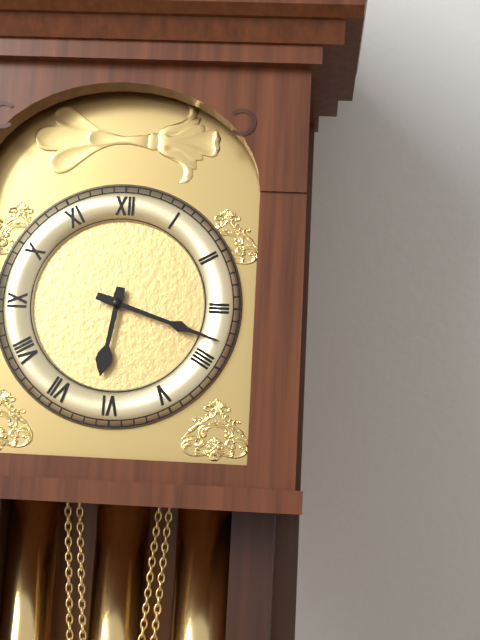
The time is 6h18
